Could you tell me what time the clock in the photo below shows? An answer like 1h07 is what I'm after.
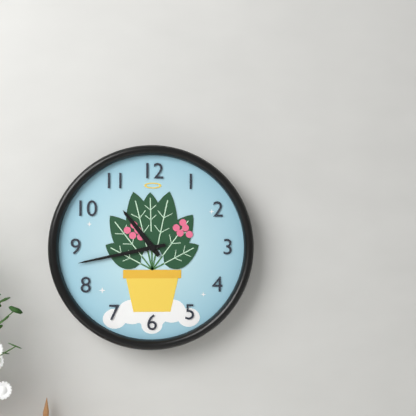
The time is 10h43
